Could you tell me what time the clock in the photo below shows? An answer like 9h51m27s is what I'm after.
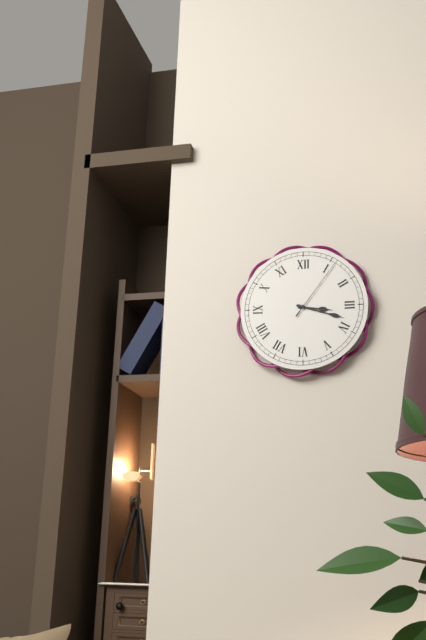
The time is 3h18m06s
